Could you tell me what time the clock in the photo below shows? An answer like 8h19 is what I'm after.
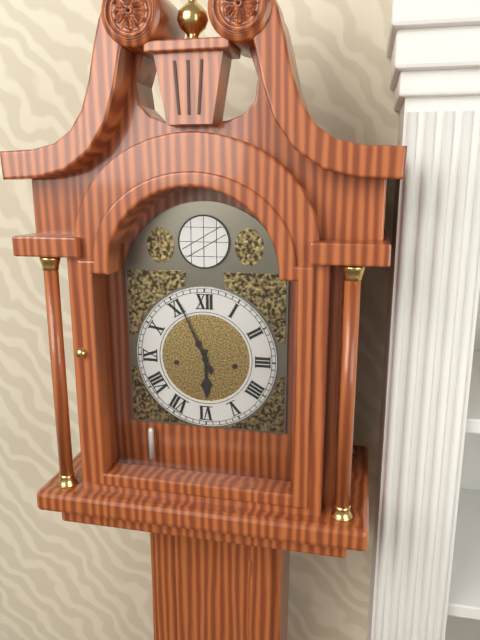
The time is 5h56
